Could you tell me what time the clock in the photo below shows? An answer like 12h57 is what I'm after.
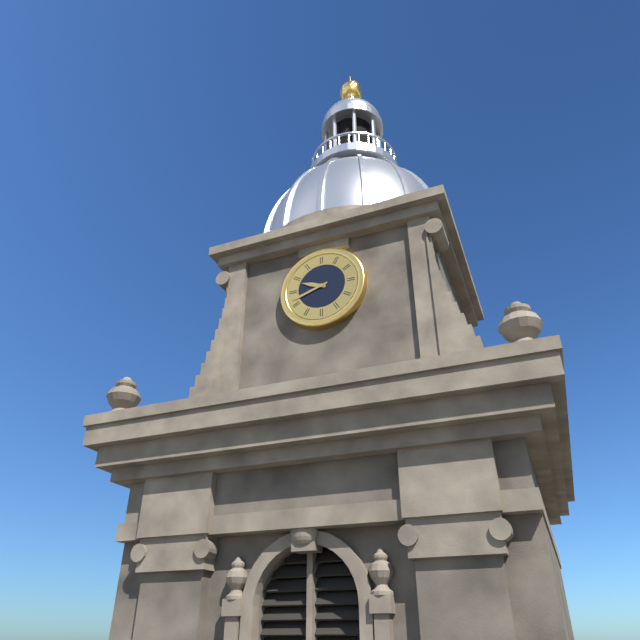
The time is 9h42
